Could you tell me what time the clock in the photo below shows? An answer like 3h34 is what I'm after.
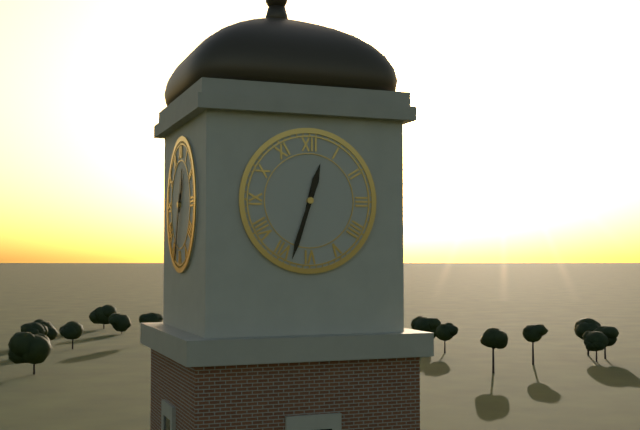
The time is 12h33
